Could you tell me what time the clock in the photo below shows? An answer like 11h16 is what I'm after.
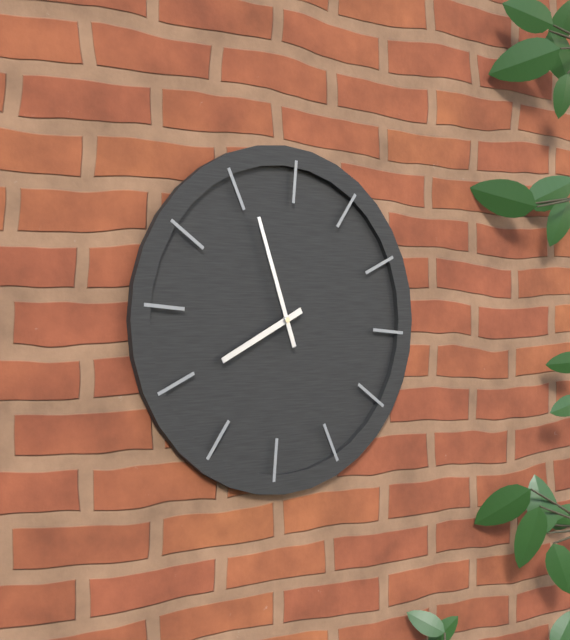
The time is 7h56
